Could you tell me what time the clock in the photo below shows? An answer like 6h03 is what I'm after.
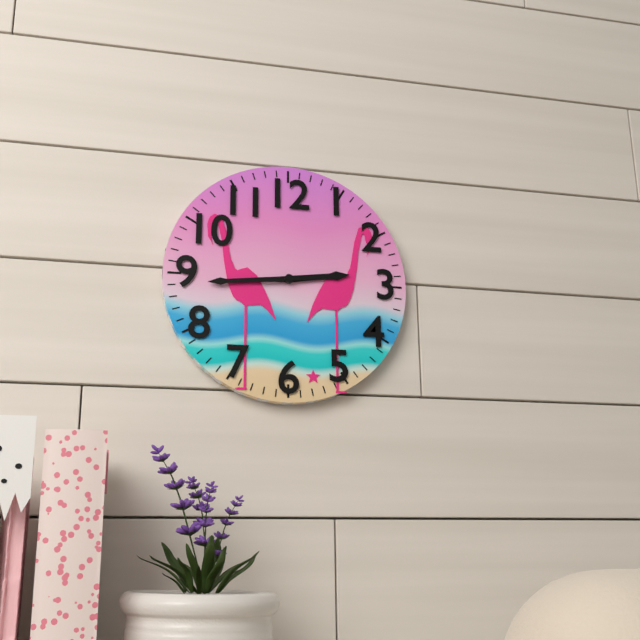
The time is 2h44
